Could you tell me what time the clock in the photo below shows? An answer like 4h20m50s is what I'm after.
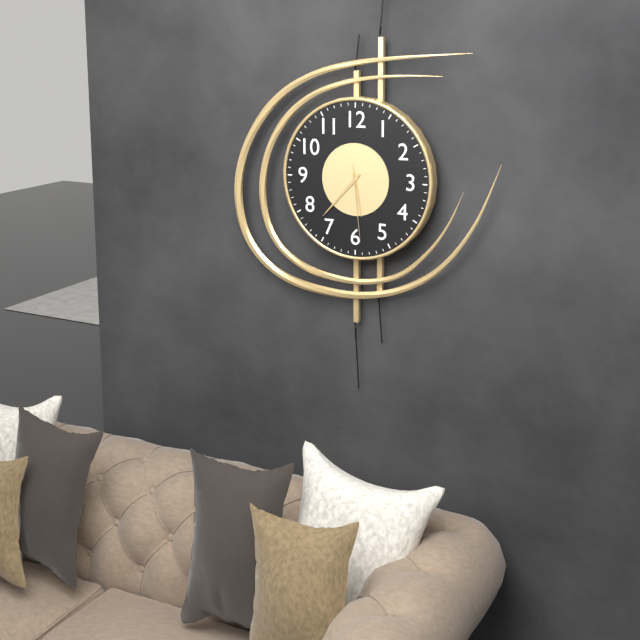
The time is 5h37m29s
